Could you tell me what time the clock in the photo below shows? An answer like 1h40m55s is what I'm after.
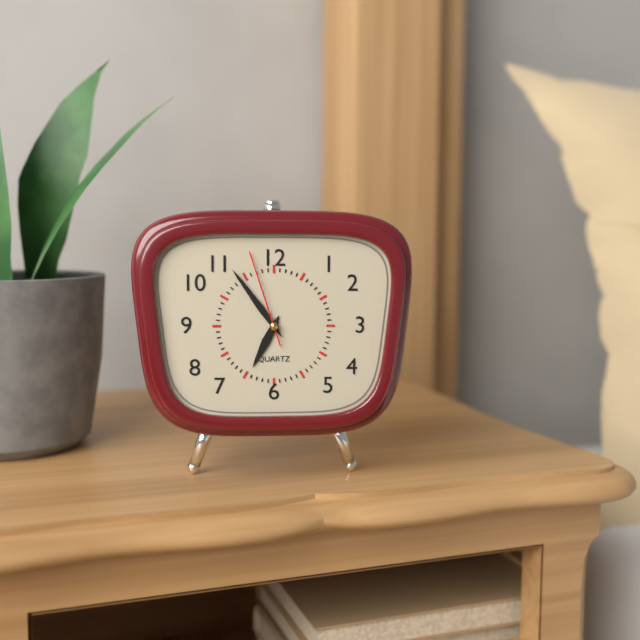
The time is 6h54m57s
